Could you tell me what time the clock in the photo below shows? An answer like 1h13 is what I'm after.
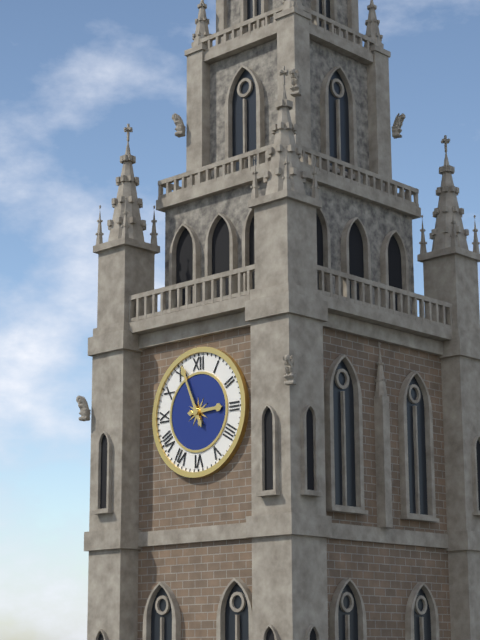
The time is 2h56
